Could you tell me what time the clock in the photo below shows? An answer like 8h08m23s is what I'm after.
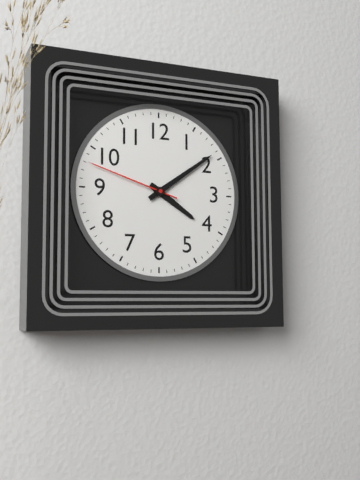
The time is 4h09m48s
